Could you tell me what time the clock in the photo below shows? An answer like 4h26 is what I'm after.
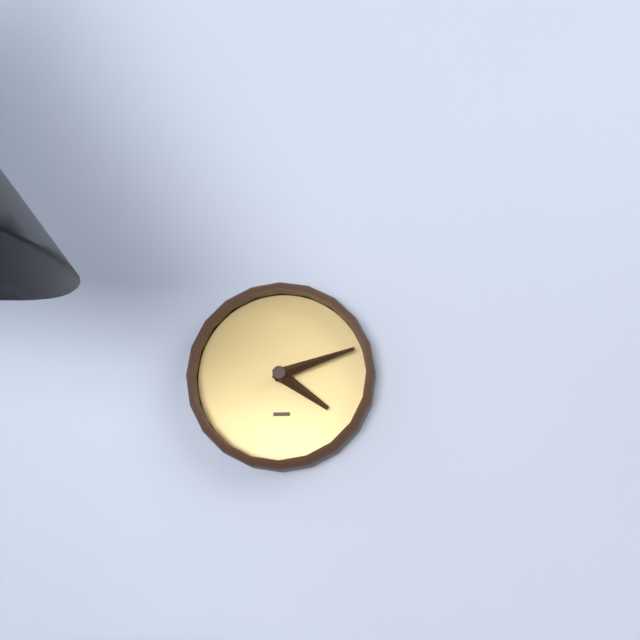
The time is 4h12
